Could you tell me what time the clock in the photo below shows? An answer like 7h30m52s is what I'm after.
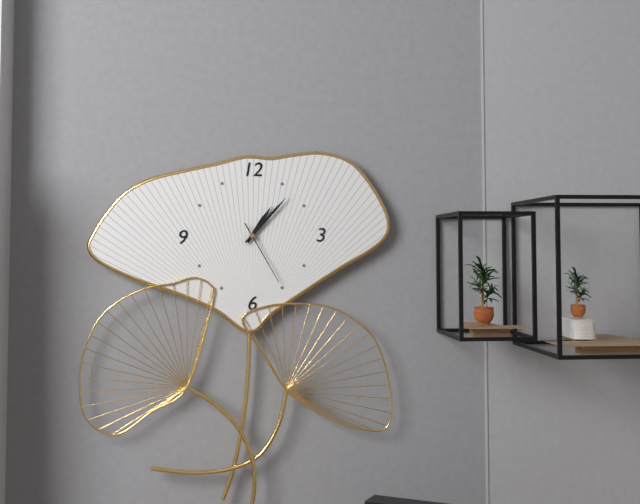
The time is 1h07m25s
